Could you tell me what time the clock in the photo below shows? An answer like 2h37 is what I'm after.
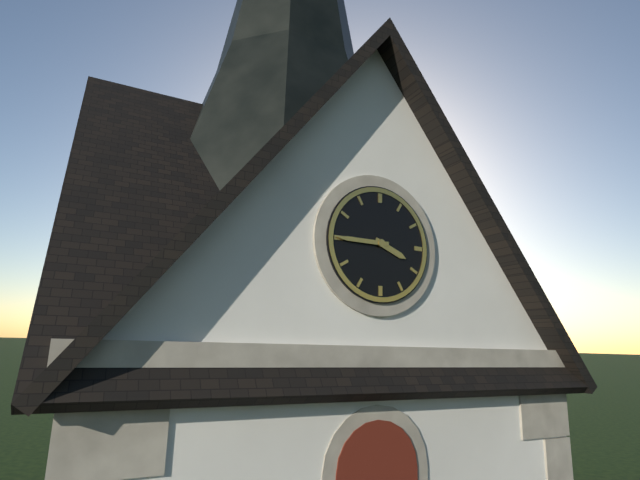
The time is 3h45
